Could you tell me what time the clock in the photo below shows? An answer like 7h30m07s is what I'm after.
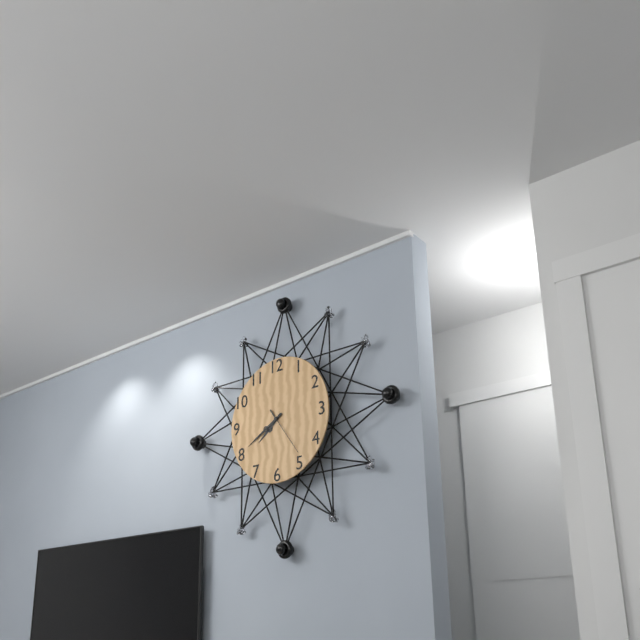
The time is 7h40m24s
